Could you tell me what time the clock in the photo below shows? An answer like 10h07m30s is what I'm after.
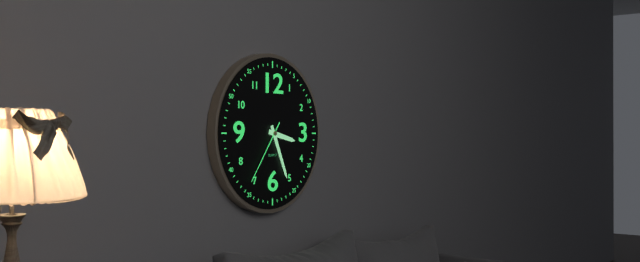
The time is 3h26m36s
